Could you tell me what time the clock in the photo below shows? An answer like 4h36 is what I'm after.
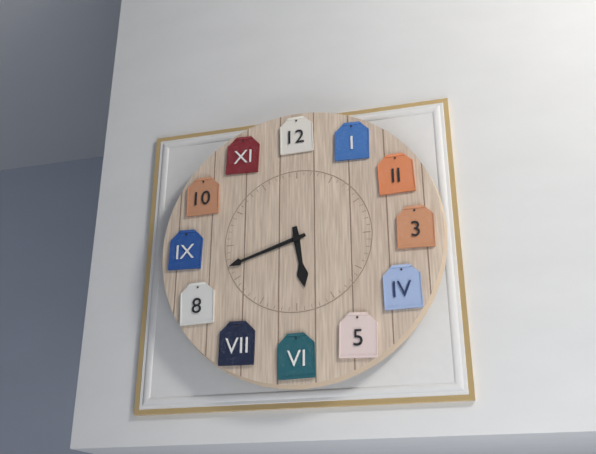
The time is 5h42
